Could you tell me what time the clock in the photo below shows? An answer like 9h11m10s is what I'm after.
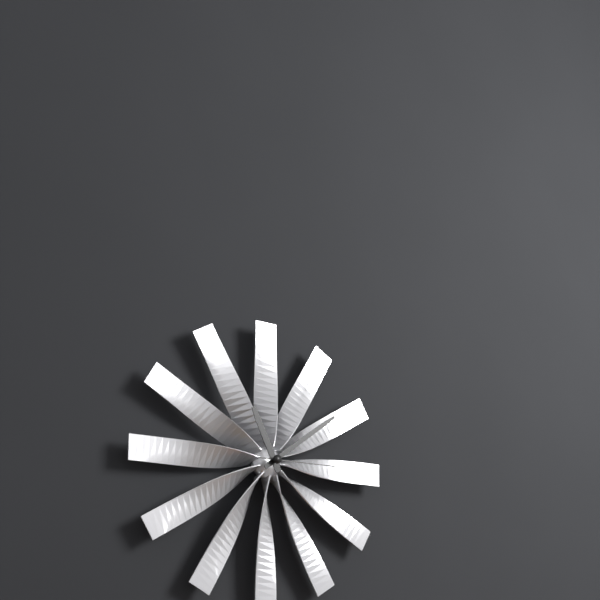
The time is 11h09m15s
